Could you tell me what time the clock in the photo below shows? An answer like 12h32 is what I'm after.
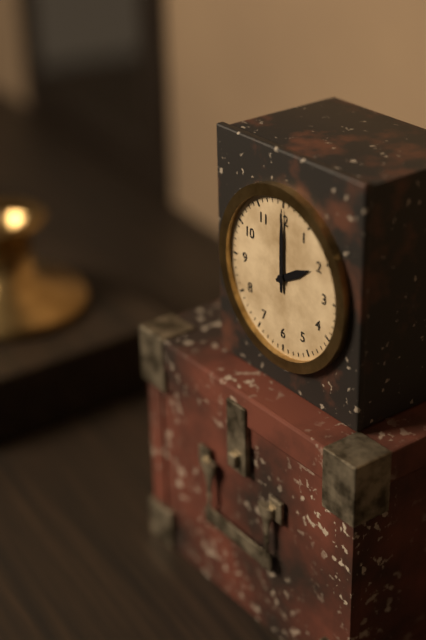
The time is 2h00
